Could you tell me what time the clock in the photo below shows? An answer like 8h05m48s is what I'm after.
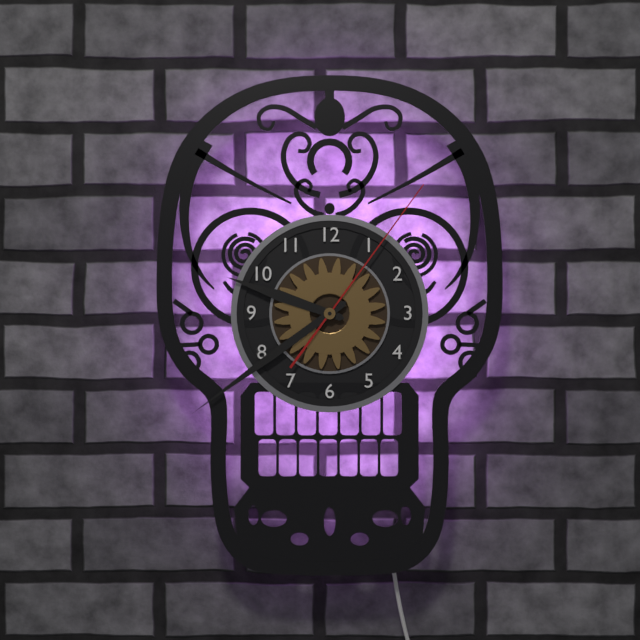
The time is 9h39m06s
